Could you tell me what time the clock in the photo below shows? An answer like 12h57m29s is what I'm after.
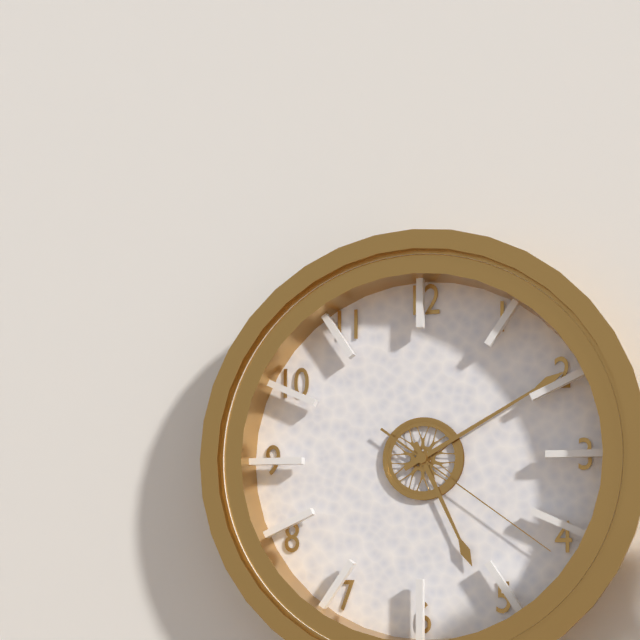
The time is 5h10m21s
